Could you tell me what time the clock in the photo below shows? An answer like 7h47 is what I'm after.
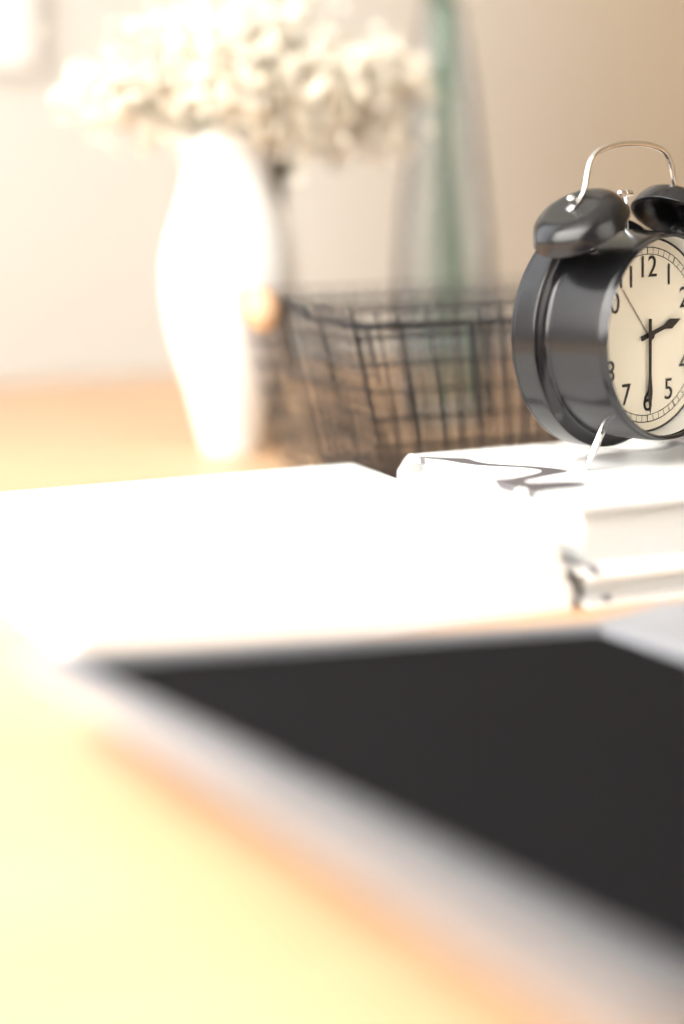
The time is 2h30
